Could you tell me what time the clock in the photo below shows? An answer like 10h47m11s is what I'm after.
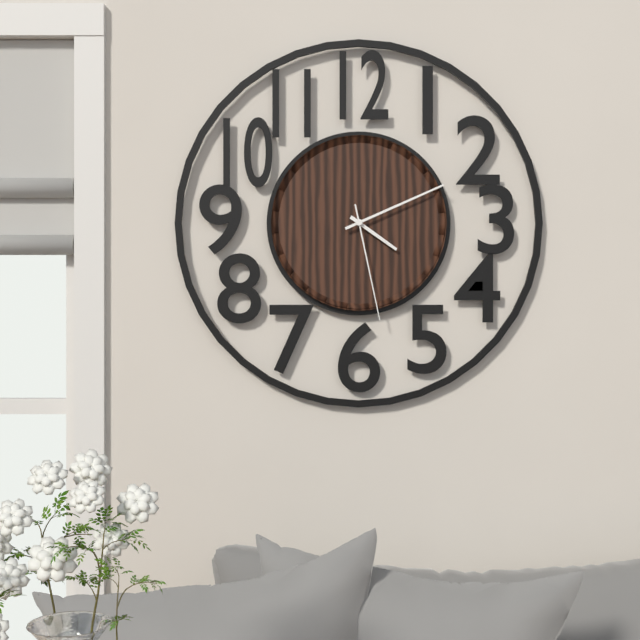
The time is 4h11m28s
